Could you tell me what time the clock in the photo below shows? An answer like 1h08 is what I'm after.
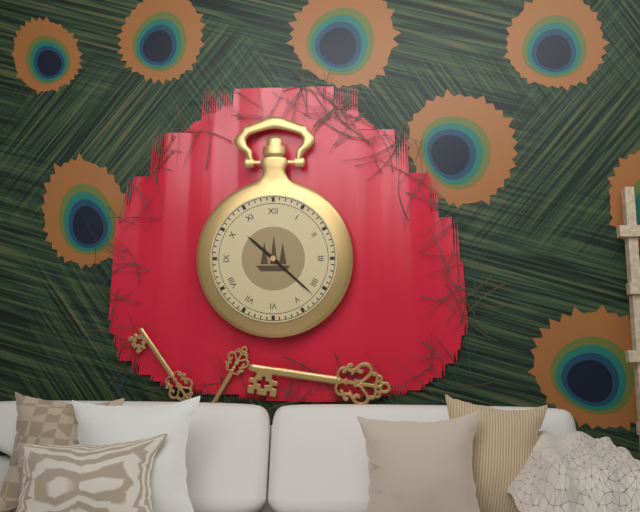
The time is 10h22
